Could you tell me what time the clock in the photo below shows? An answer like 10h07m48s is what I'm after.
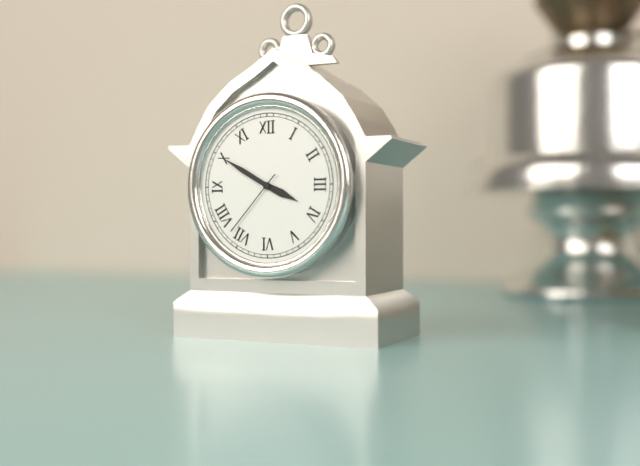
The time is 3h50m37s
